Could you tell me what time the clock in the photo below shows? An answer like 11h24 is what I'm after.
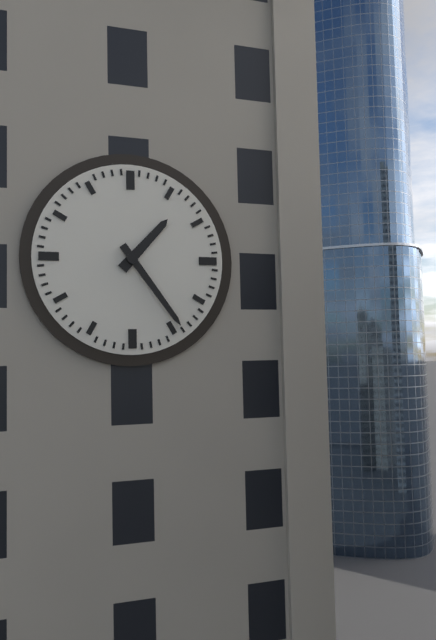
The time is 1h24
